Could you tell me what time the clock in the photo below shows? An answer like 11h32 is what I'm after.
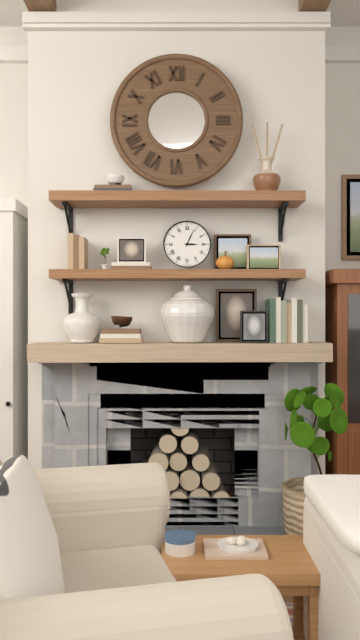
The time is 3h04
